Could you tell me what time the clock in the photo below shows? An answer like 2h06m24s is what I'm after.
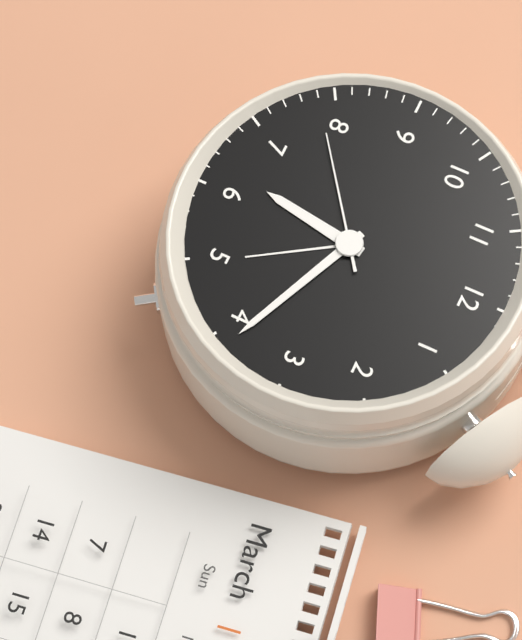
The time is 6h19m39s
